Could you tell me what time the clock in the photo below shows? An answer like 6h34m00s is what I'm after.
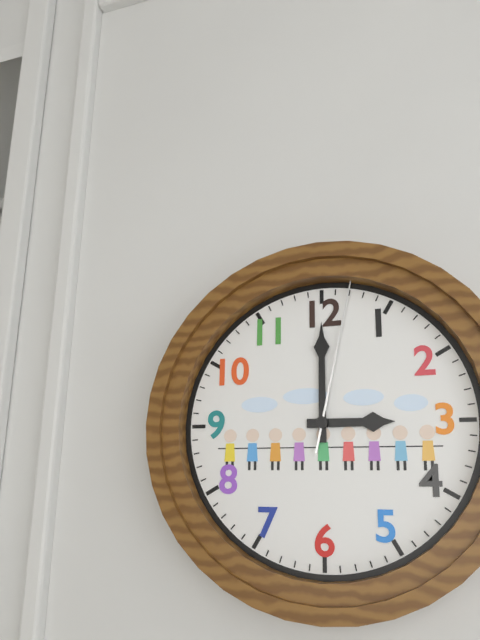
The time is 3h00m02s
